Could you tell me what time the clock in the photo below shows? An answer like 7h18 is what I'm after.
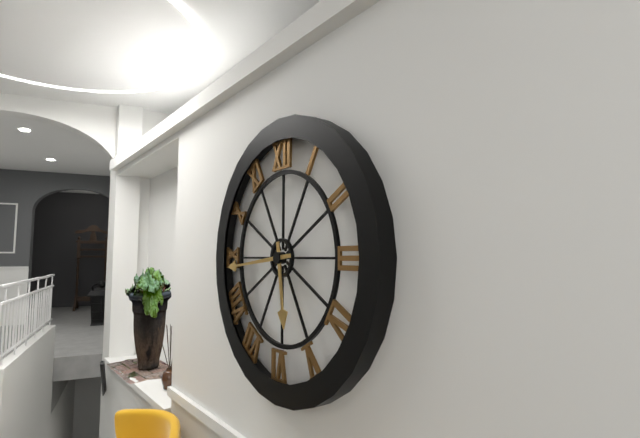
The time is 5h44
